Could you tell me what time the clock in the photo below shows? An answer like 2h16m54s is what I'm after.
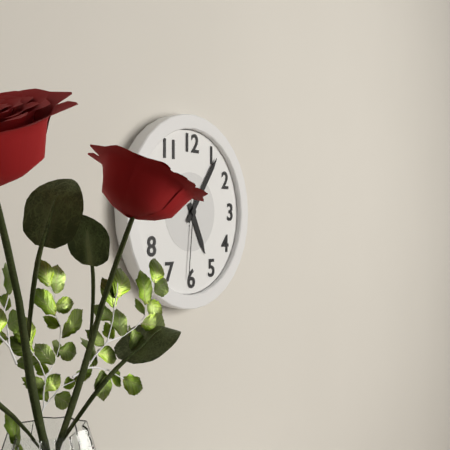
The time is 5h06m31s
